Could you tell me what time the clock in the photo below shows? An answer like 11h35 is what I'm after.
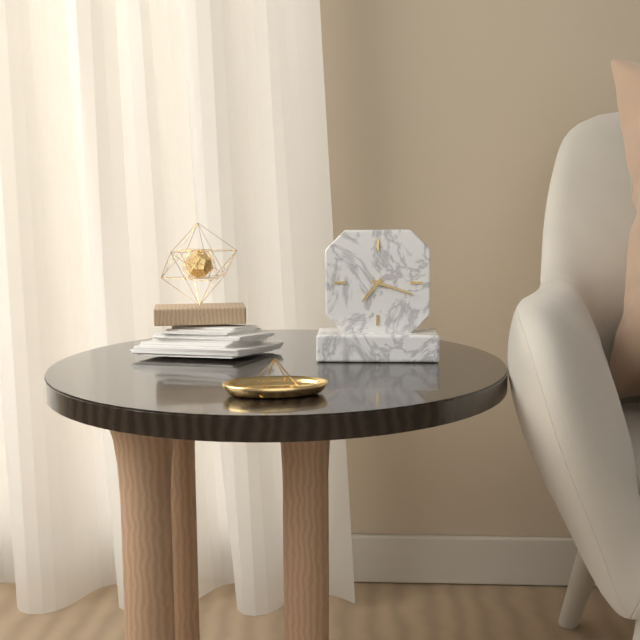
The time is 7h18
